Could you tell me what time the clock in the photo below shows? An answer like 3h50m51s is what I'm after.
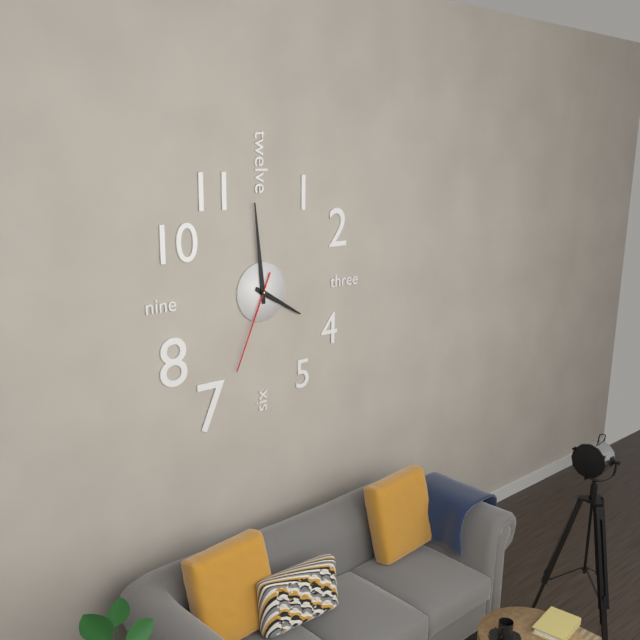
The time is 3h59m34s
